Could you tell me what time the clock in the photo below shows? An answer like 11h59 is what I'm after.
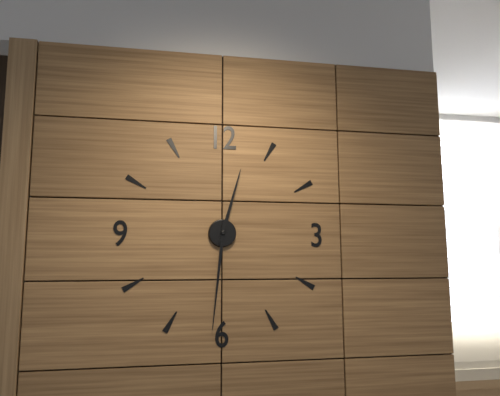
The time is 12h31
